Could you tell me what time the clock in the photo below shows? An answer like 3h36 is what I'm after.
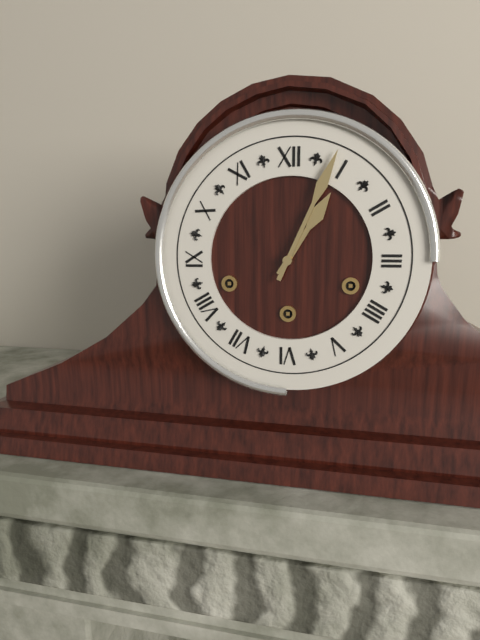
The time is 1h04
